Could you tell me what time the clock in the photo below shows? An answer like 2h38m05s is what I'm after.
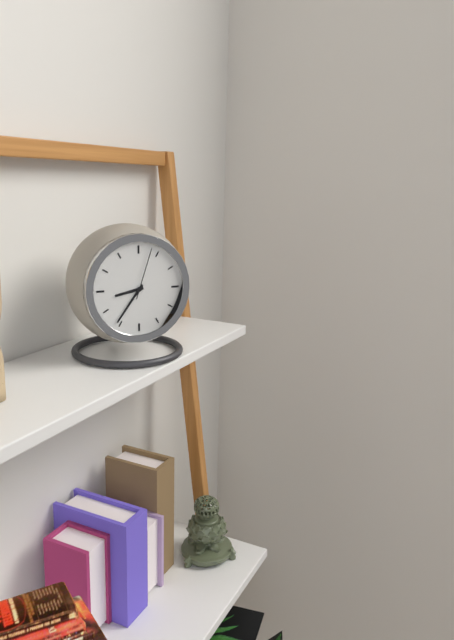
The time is 8h36m03s
